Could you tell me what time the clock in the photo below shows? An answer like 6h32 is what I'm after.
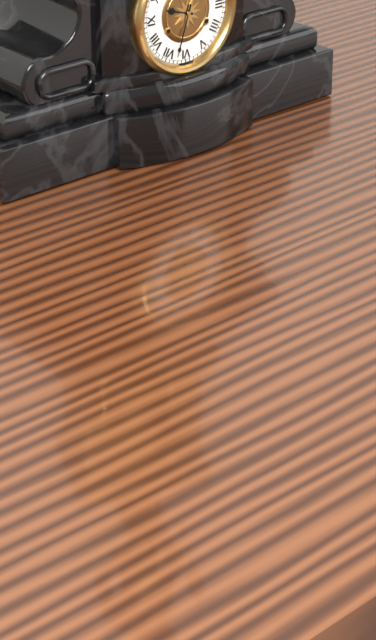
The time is 9h33
